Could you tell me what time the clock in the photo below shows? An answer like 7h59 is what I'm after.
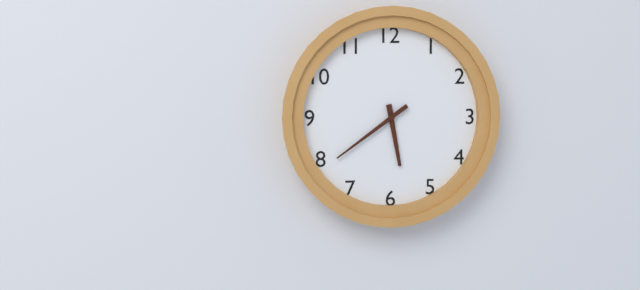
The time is 5h39
